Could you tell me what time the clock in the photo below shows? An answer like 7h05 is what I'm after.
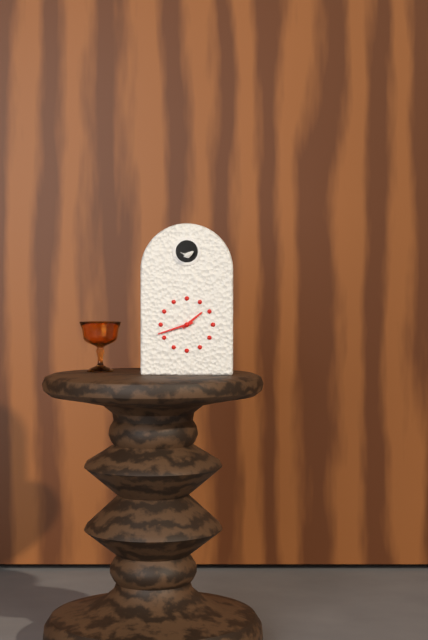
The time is 1h42
